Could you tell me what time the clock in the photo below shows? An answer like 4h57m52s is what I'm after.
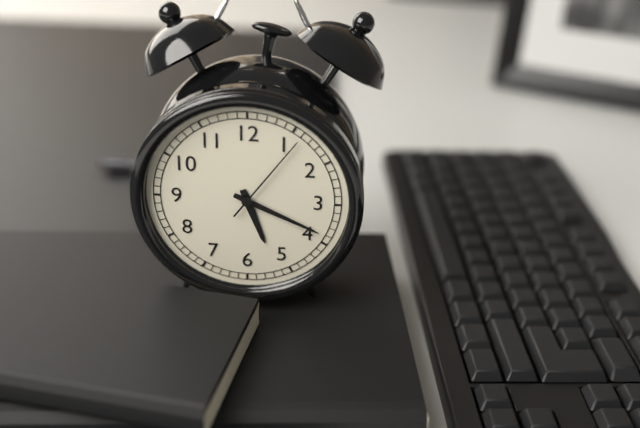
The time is 5h19m06s
